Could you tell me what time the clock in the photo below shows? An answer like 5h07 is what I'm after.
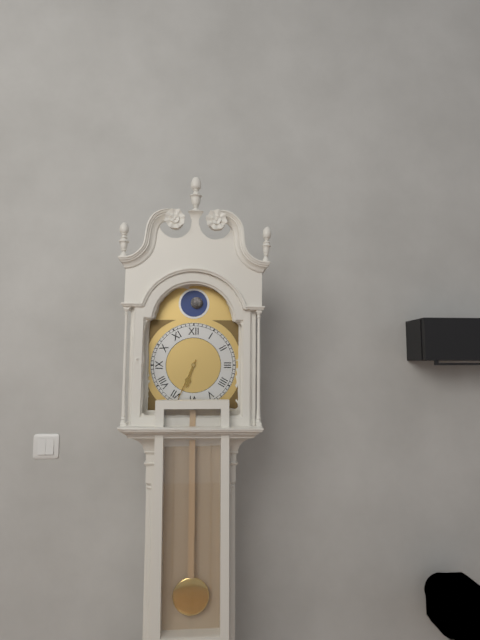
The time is 6h34
